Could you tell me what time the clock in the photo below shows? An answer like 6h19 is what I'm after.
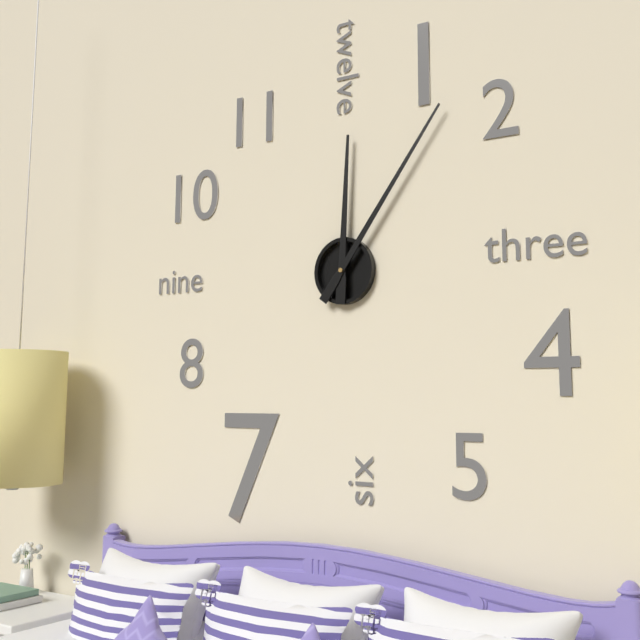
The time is 12h06
